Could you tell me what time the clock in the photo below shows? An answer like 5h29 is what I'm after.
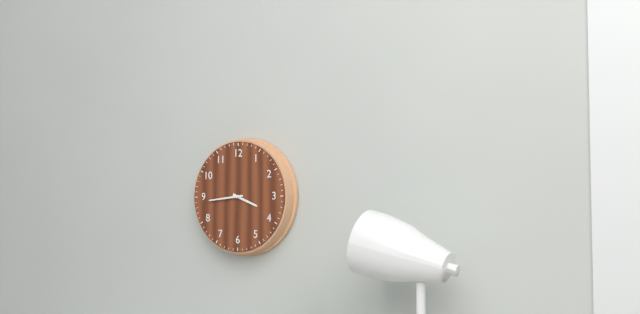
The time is 3h44
